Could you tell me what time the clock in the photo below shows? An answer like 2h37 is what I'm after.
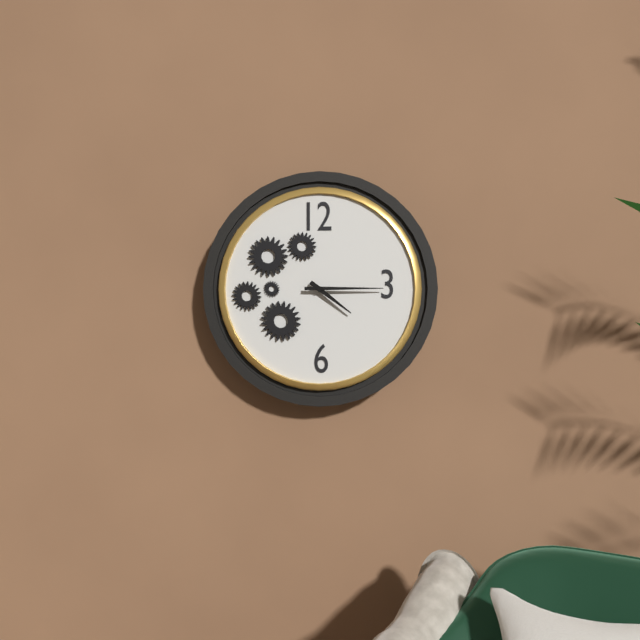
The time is 4h15
